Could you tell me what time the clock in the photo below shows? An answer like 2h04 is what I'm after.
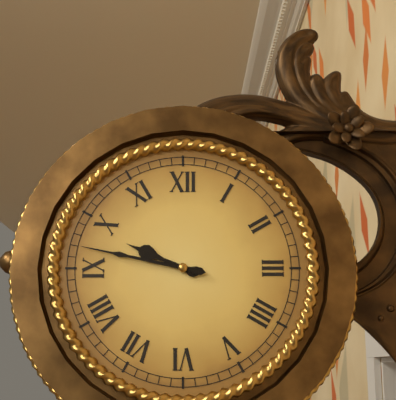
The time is 9h47
